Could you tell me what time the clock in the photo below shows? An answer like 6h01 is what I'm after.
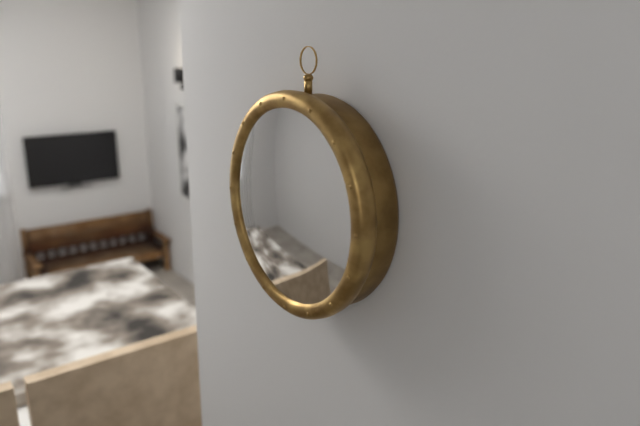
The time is 1h21
